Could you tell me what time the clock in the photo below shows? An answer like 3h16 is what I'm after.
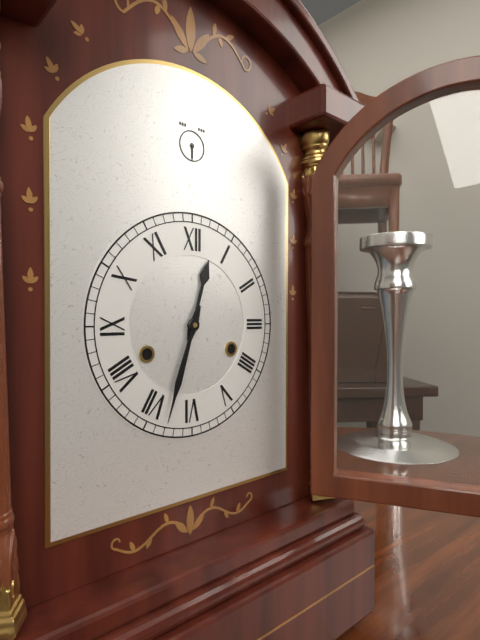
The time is 12h33
